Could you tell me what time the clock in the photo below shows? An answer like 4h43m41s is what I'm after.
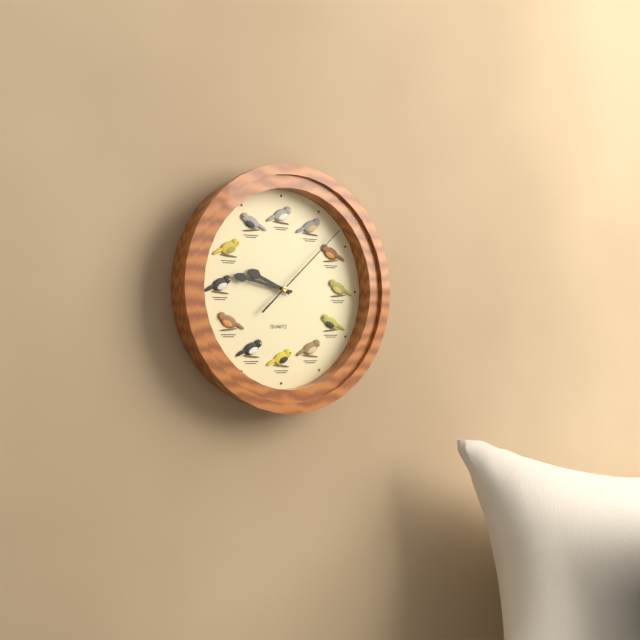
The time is 9h47m08s
